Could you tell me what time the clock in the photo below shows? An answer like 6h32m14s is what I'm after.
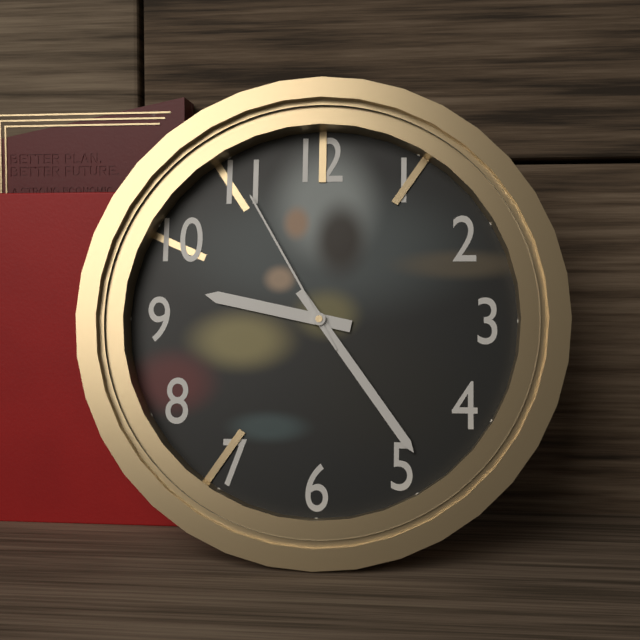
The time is 9h24m55s
